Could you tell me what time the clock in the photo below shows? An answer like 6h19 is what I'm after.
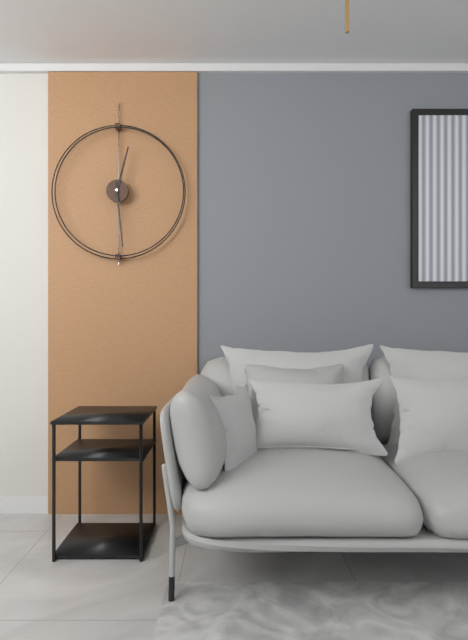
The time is 12h29
